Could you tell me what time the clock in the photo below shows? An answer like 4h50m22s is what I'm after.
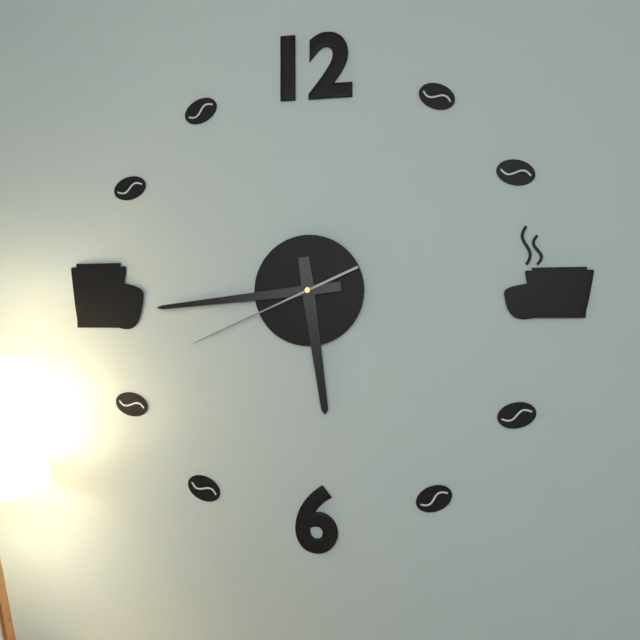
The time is 5h44m41s
